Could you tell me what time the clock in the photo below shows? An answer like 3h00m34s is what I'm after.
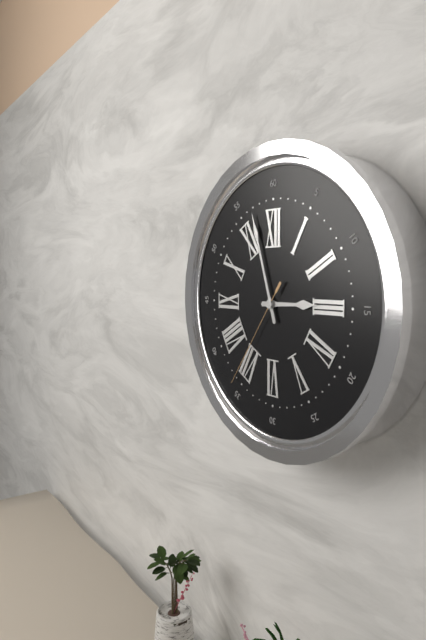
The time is 2h57m36s
